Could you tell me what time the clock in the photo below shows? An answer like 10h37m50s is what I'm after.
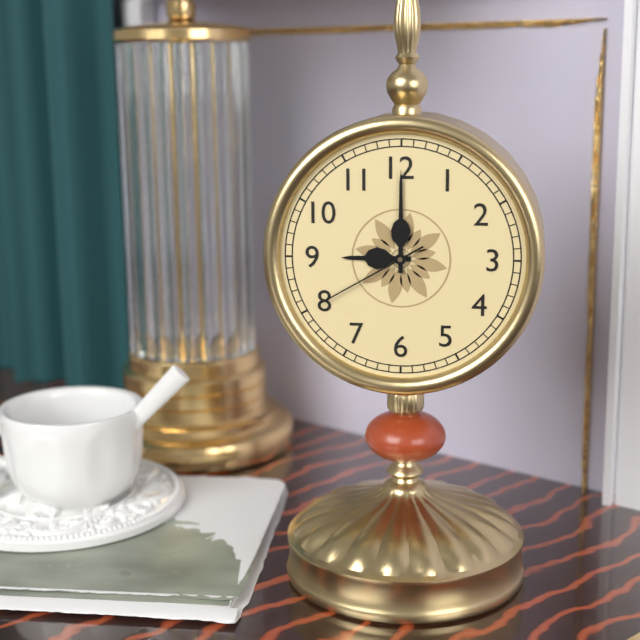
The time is 9h00m40s
